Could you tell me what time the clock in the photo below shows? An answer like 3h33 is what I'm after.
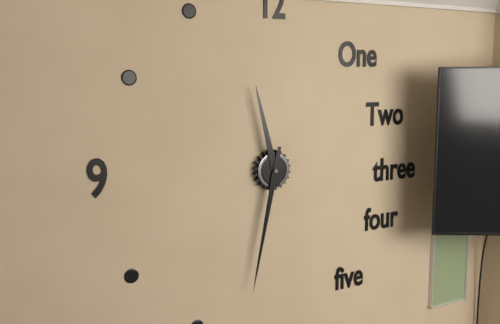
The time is 11h32
